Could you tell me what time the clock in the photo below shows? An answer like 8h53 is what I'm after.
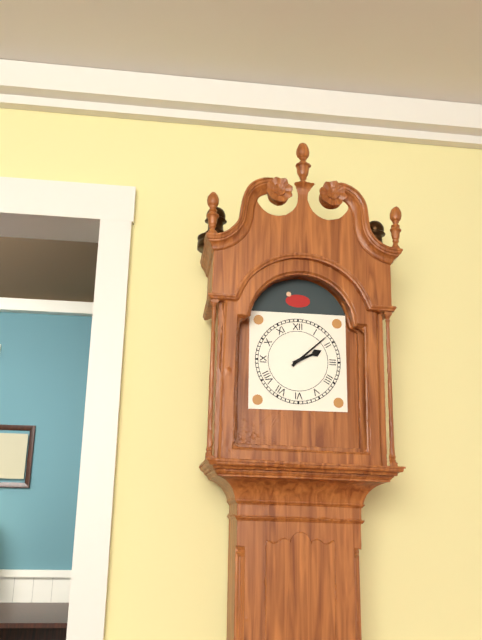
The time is 2h08
